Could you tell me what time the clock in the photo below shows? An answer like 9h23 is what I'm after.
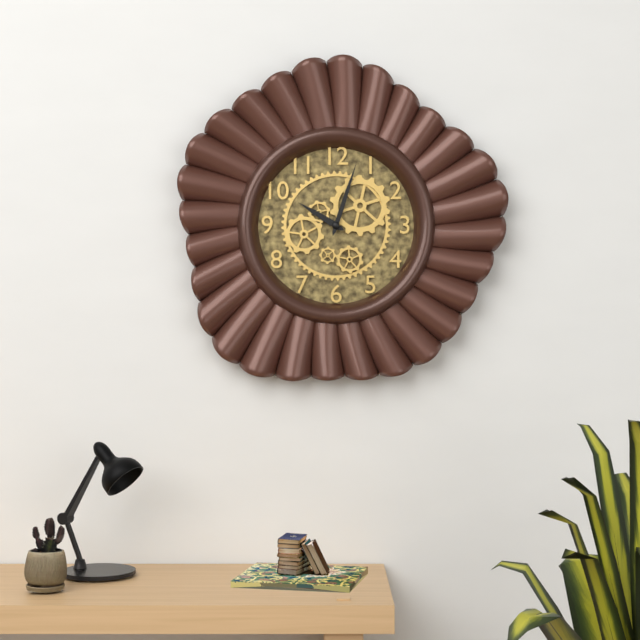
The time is 10h03
